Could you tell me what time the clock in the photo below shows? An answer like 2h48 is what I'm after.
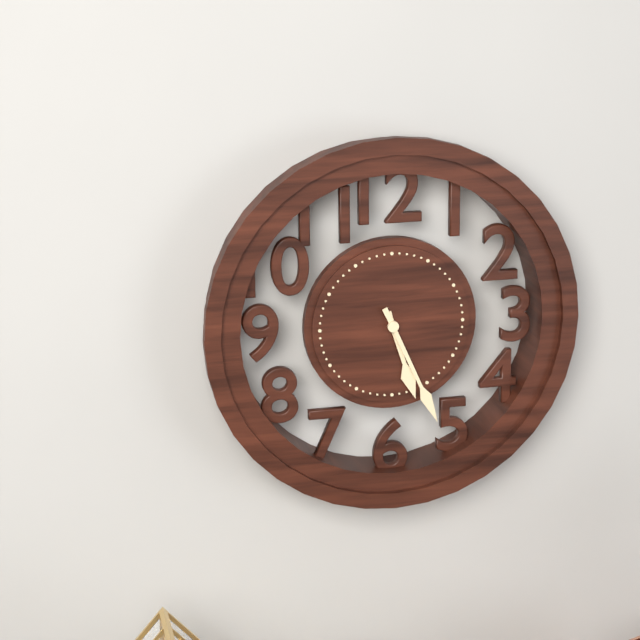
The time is 5h26
